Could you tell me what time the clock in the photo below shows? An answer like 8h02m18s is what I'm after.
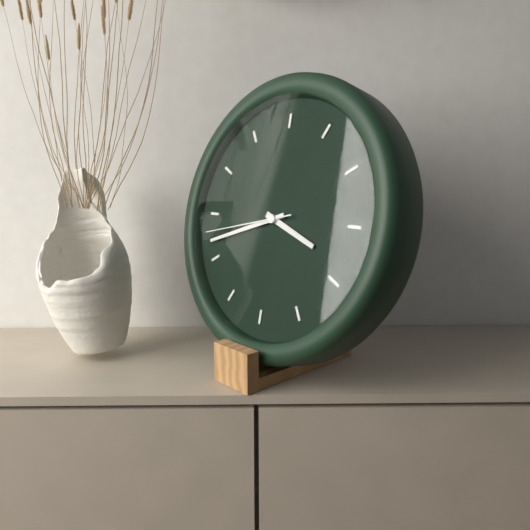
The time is 3h42m43s
